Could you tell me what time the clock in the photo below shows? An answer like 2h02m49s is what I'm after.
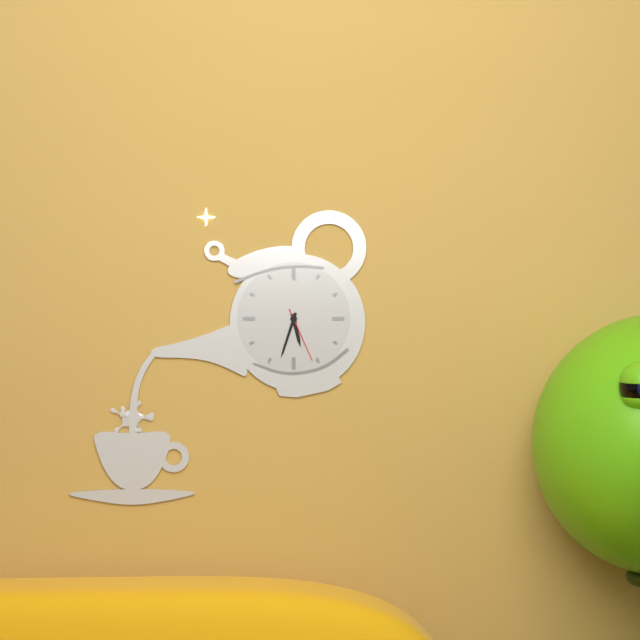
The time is 5h33m26s
